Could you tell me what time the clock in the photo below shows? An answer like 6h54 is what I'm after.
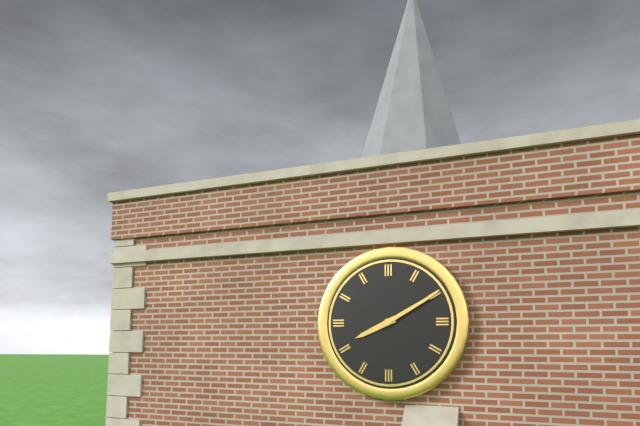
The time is 8h10
